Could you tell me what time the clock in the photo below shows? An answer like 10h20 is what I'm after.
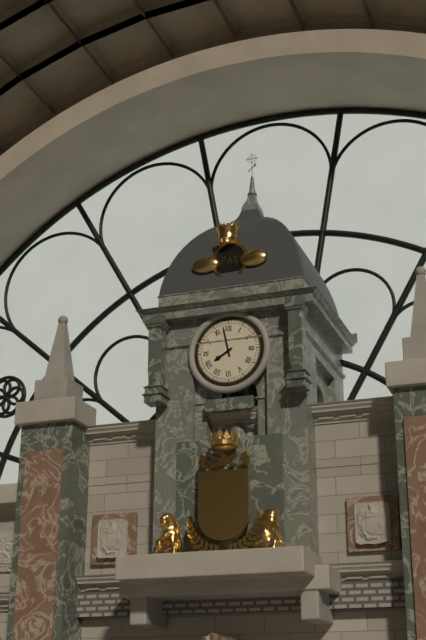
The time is 7h58
